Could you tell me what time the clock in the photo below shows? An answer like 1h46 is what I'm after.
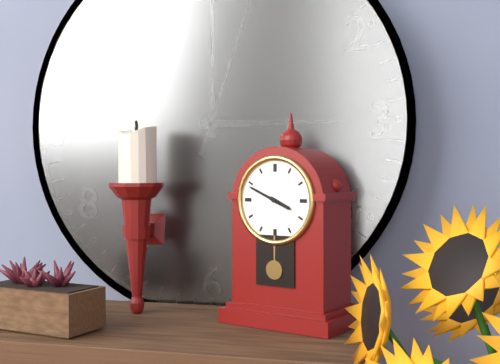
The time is 3h49
